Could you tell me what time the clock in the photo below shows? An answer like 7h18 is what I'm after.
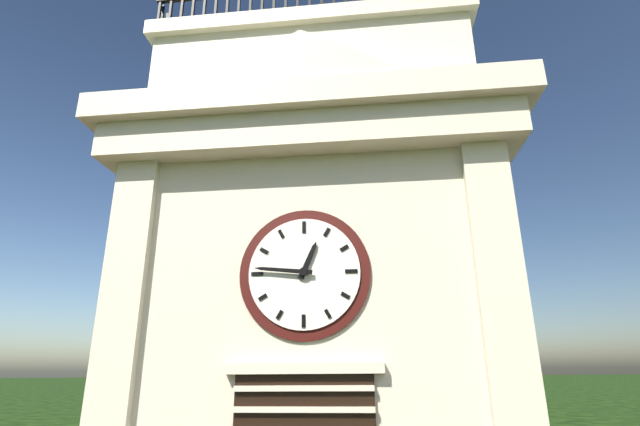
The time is 12h46
